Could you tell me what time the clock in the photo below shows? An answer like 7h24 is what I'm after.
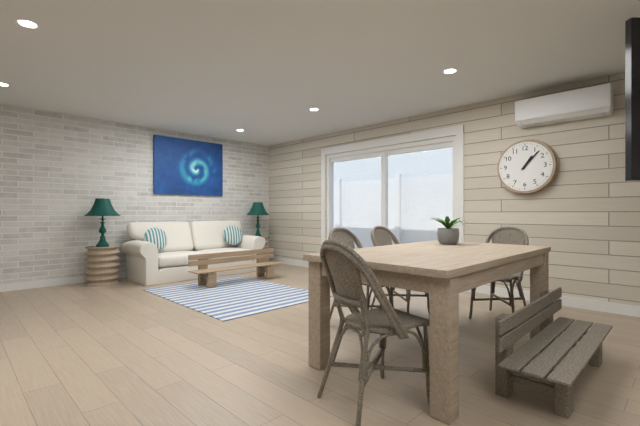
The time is 1h07
